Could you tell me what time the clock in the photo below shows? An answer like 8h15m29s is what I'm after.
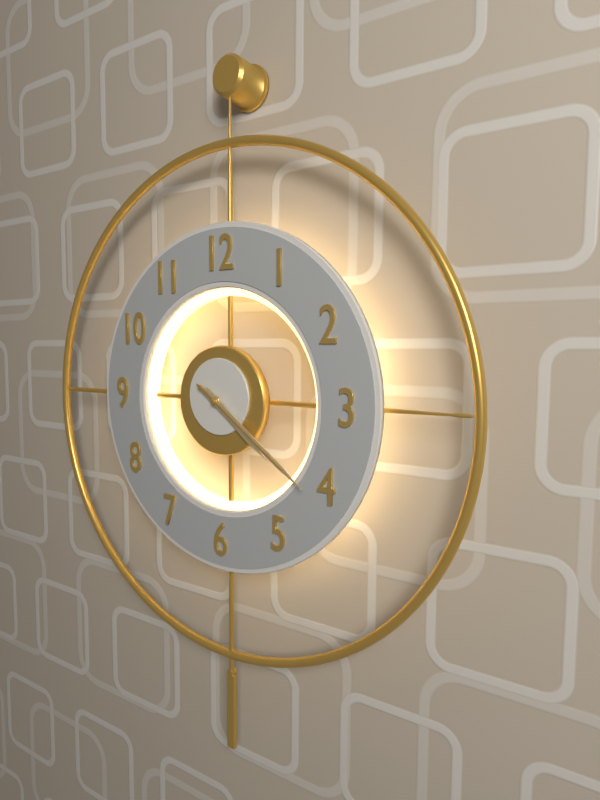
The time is 4h21m21s
